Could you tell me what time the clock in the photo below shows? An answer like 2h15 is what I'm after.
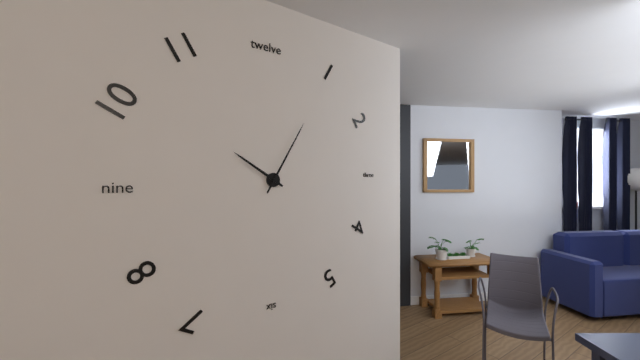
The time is 10h05
